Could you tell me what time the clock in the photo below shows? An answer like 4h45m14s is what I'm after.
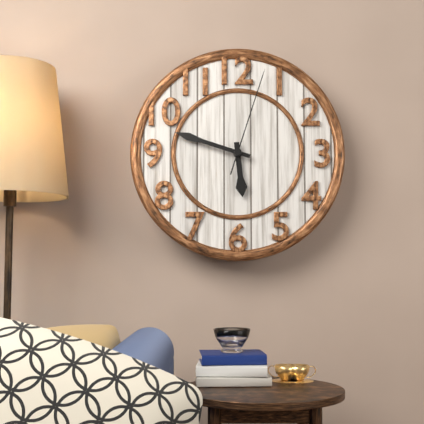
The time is 5h48m03s
